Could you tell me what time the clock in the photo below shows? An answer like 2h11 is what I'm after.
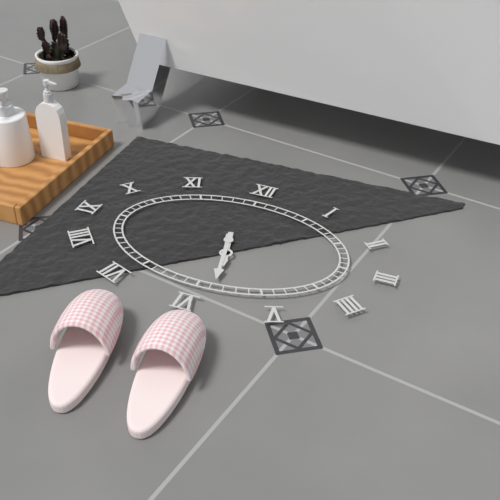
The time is 5h28
